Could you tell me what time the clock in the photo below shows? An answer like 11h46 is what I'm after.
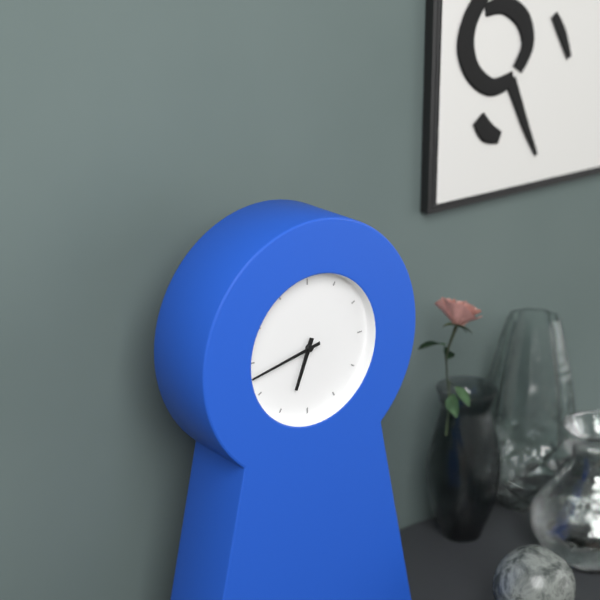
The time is 6h43
